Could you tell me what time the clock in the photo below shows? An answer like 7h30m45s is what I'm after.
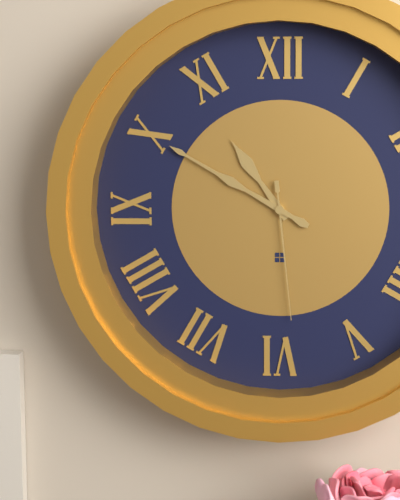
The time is 10h50m29s
